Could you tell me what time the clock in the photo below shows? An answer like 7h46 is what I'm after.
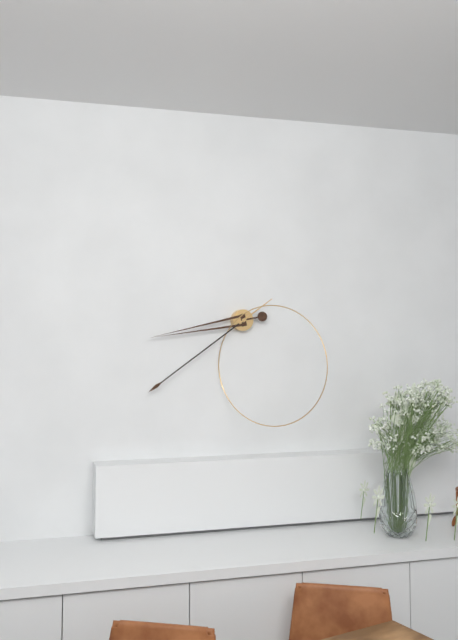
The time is 8h39
